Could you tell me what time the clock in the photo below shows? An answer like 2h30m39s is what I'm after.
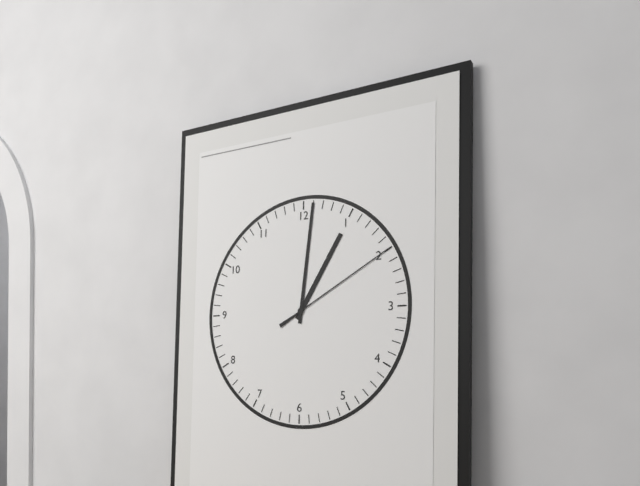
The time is 1h01m10s
